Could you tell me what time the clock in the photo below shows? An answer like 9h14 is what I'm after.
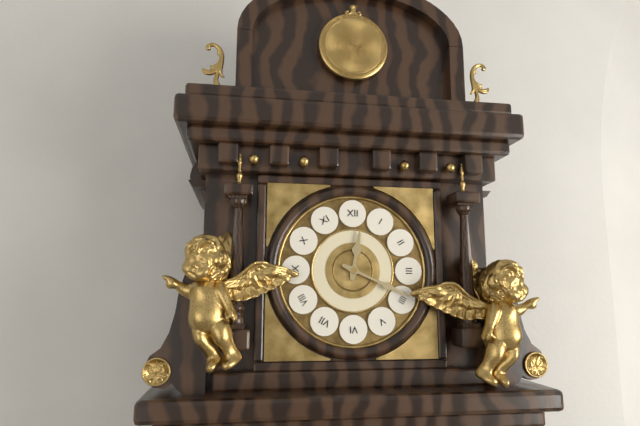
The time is 12h19
